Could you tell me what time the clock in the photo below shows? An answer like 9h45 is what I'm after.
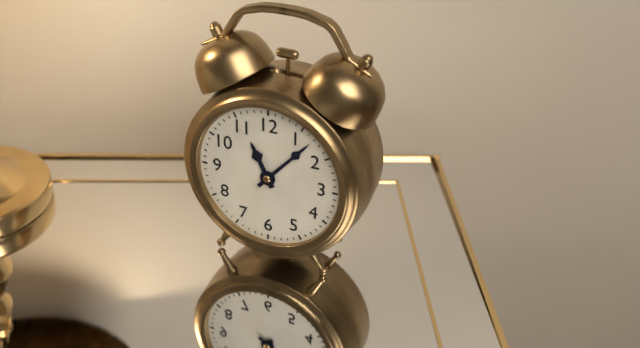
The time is 11h07
